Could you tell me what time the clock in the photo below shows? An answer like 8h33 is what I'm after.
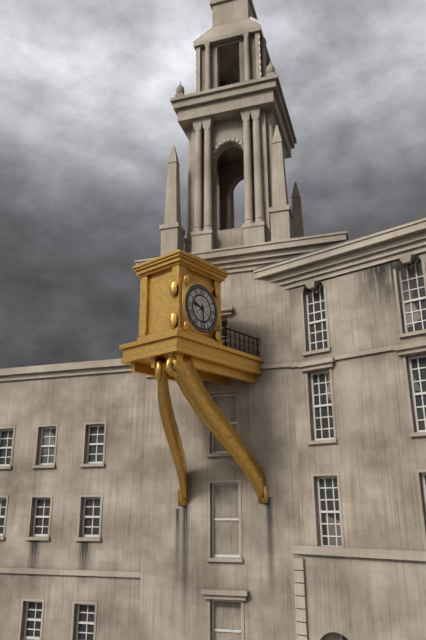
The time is 9h29
